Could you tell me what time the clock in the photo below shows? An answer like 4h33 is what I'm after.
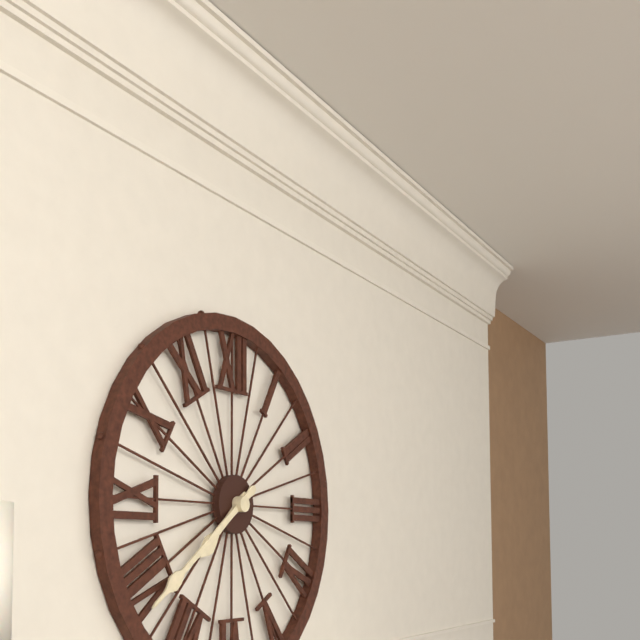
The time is 7h39
